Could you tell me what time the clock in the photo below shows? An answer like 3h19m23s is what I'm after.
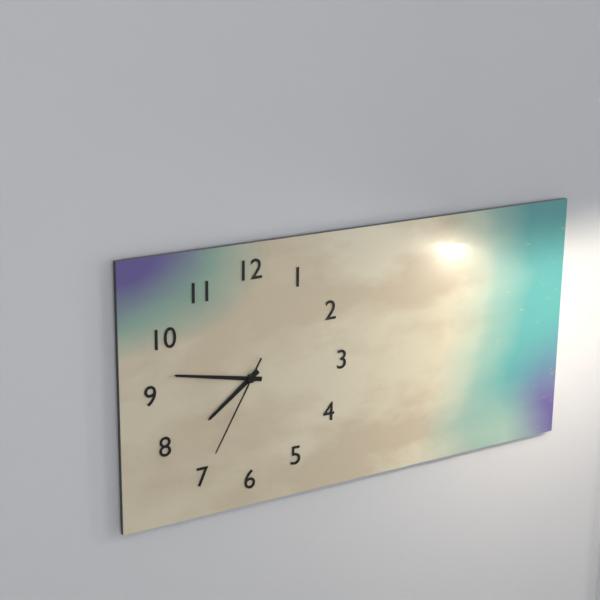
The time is 7h47m35s
